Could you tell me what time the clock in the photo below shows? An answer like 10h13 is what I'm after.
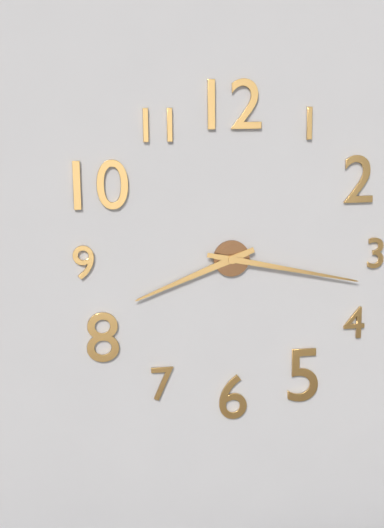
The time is 8h17
